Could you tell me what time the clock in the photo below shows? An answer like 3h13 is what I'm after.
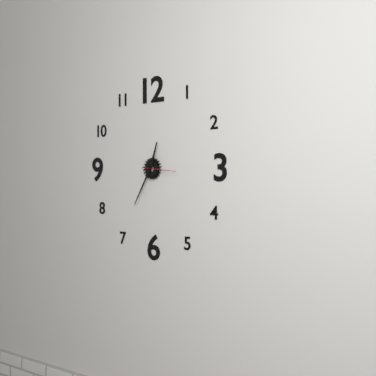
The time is 12h35
